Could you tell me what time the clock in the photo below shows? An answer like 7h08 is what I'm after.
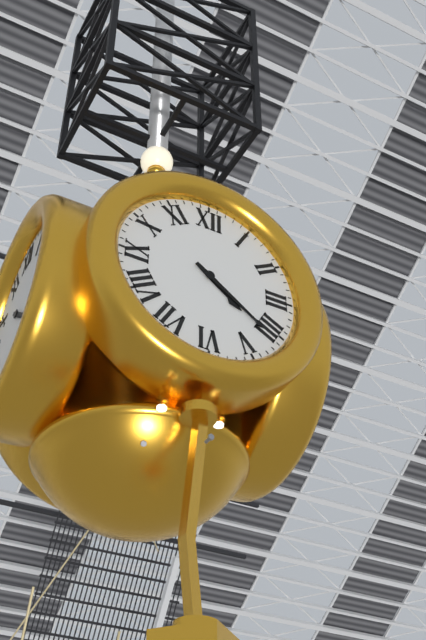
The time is 4h21
